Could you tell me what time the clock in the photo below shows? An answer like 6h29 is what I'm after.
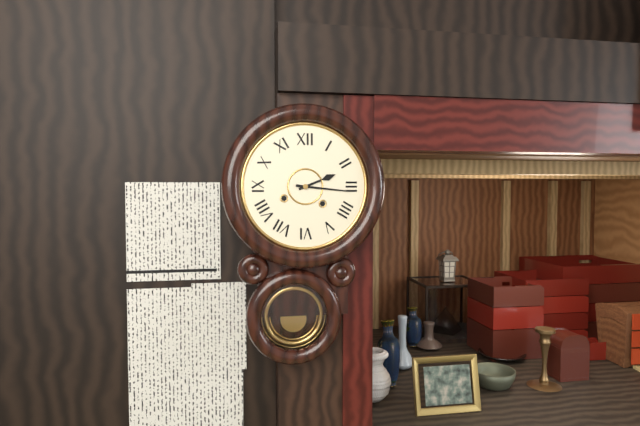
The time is 2h16
